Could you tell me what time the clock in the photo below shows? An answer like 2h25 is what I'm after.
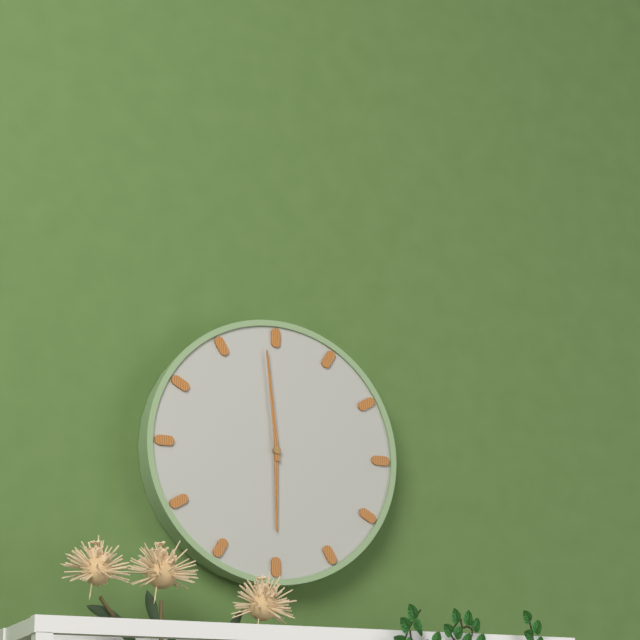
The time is 5h59
